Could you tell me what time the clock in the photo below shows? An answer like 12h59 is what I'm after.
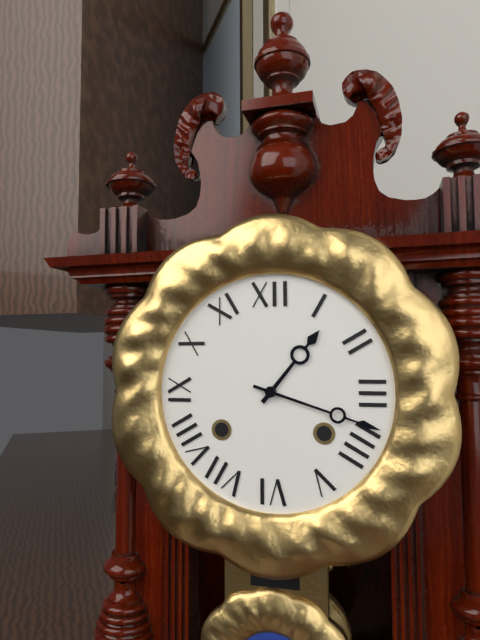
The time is 1h18
